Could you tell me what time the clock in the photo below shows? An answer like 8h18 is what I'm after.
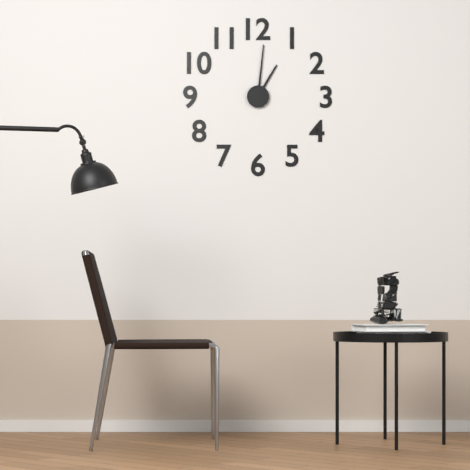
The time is 1h01
